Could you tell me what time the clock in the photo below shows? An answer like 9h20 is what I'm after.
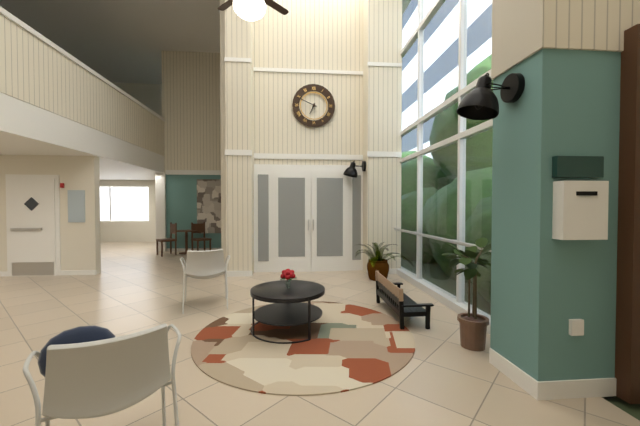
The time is 6h49
